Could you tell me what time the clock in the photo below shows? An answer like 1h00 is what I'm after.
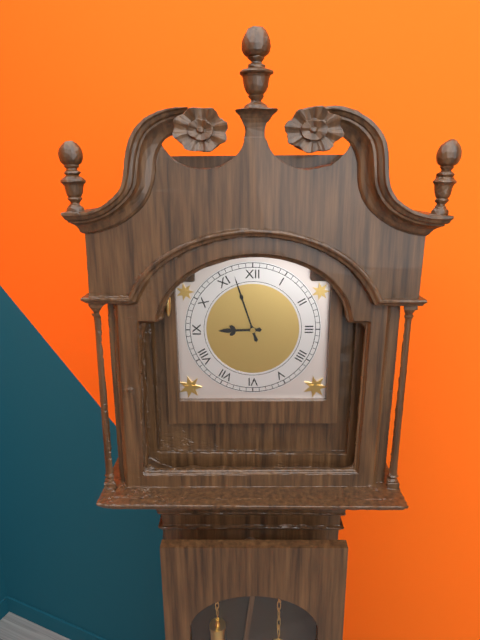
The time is 8h57
